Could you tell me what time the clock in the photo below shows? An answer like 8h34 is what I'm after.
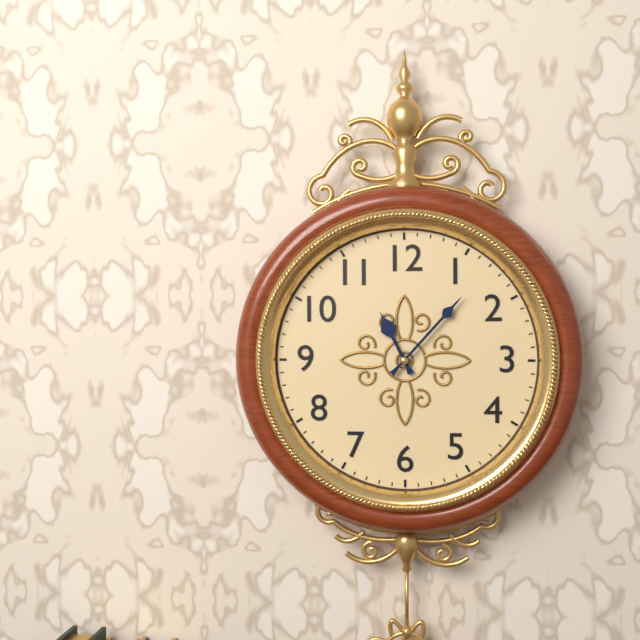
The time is 11h07
